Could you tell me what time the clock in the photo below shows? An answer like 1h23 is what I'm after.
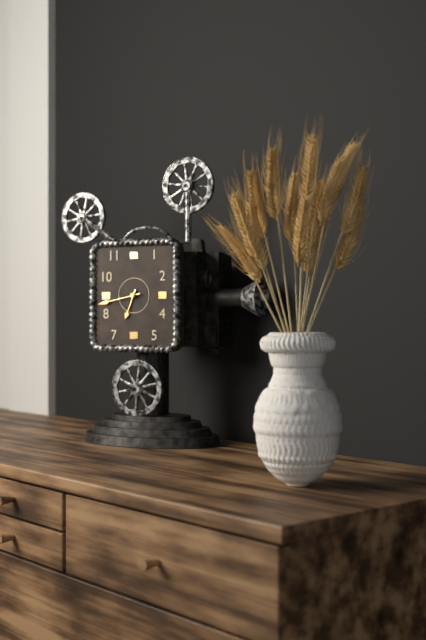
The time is 6h43
